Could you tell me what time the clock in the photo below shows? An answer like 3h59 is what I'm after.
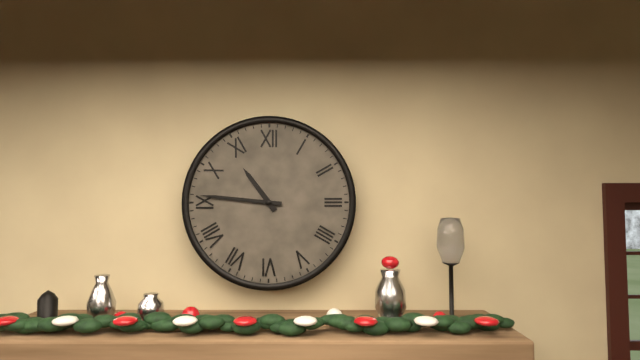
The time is 10h46
